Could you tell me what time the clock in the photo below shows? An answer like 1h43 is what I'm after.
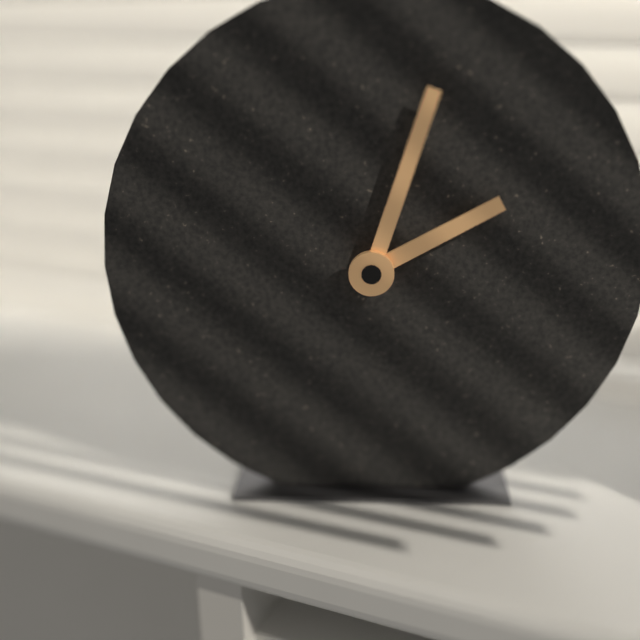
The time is 2h03
